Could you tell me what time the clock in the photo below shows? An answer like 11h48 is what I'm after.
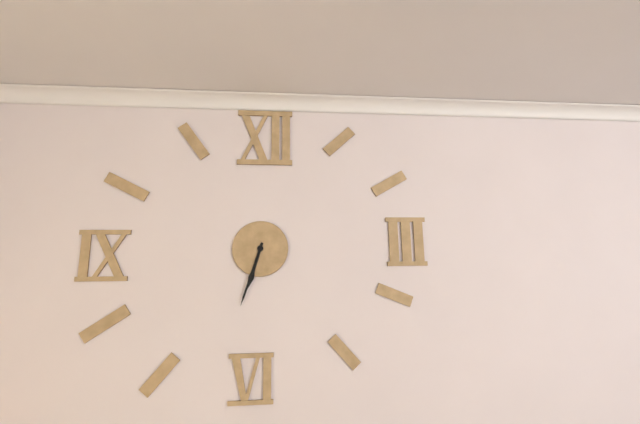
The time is 6h33
